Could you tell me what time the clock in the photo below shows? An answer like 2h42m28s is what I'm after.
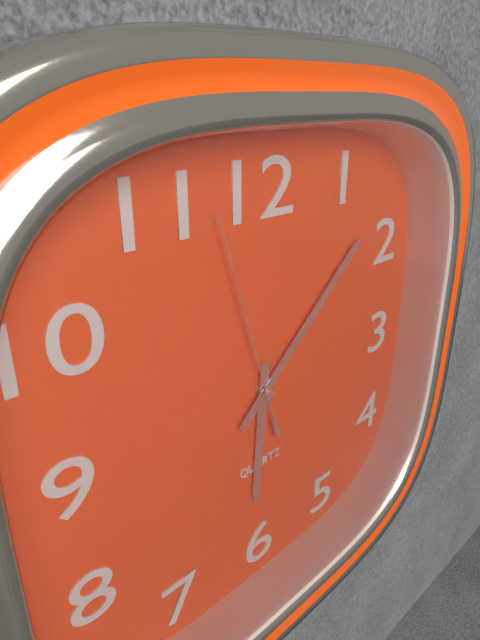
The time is 6h08m57s
